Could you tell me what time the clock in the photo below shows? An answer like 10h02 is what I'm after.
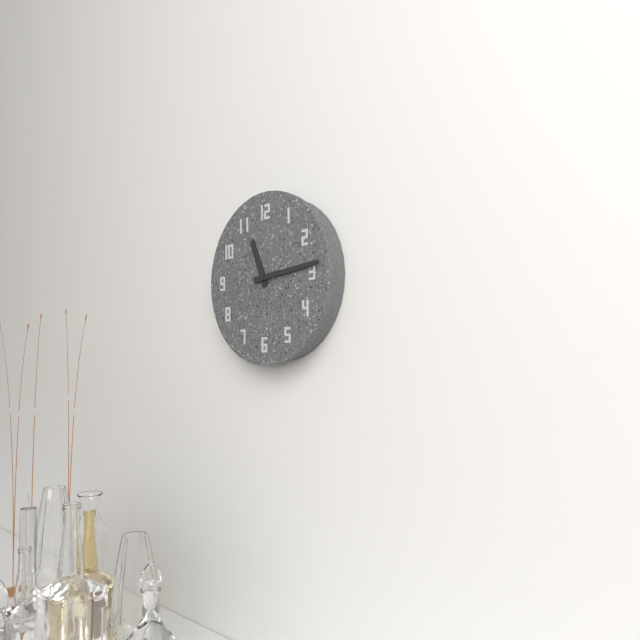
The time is 11h14
